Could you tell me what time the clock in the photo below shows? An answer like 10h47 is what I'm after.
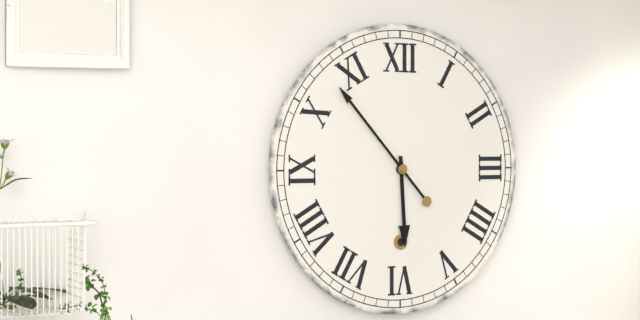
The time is 5h53
